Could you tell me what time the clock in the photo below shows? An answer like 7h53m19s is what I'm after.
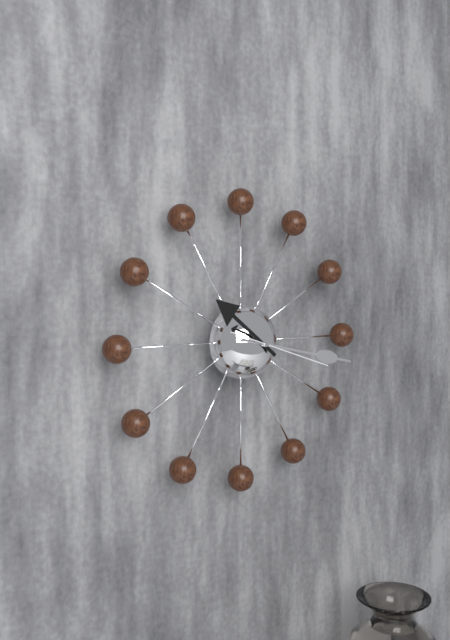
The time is 10h17m18s
